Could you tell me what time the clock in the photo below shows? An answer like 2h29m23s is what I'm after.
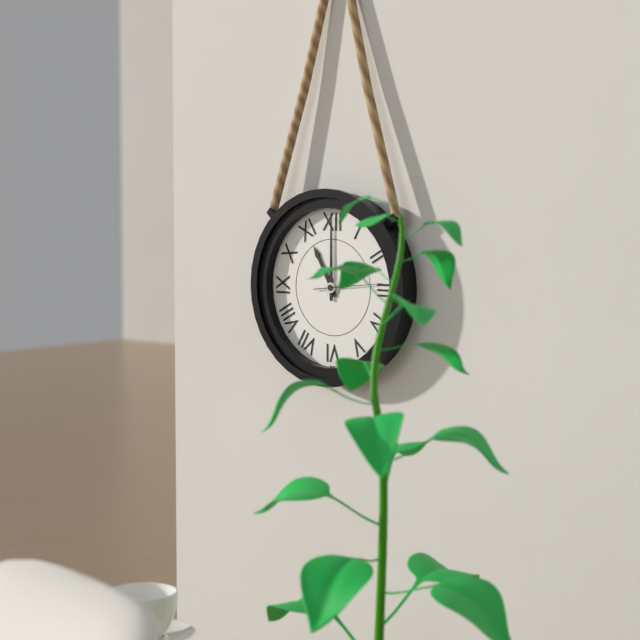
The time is 11h00m14s
